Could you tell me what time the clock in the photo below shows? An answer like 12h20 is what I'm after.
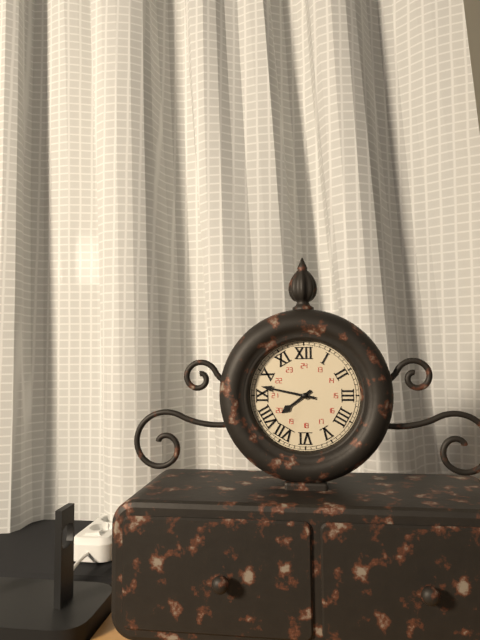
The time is 7h47
